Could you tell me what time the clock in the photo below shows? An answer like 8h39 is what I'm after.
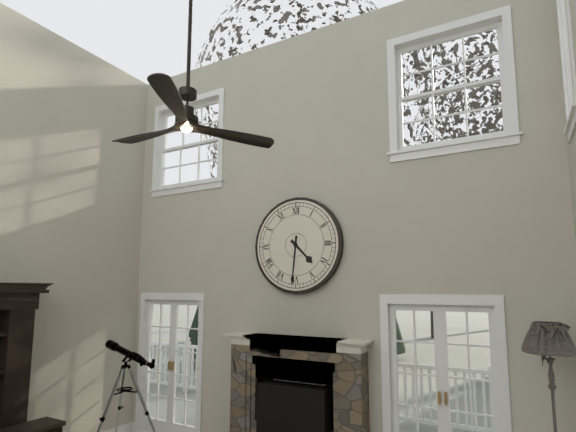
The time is 4h31
